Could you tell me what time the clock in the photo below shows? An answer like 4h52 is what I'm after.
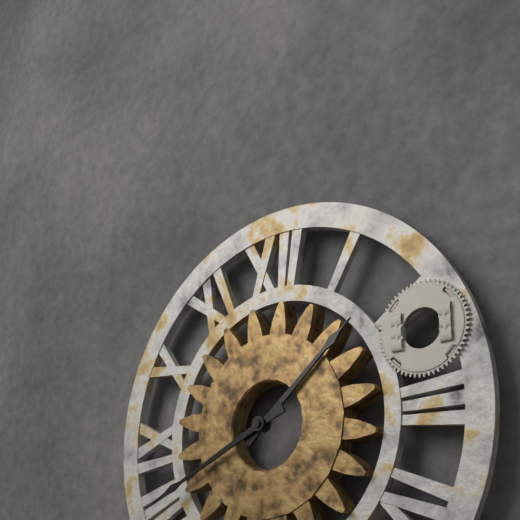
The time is 1h41
